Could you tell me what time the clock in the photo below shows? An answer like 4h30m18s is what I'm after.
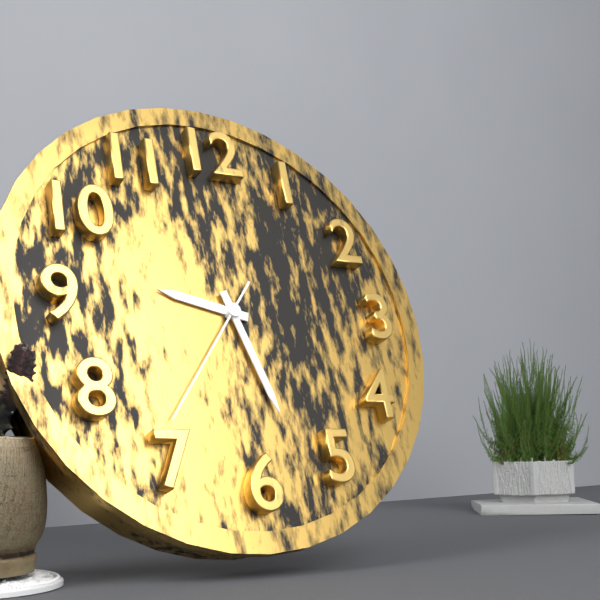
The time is 9h27m36s
